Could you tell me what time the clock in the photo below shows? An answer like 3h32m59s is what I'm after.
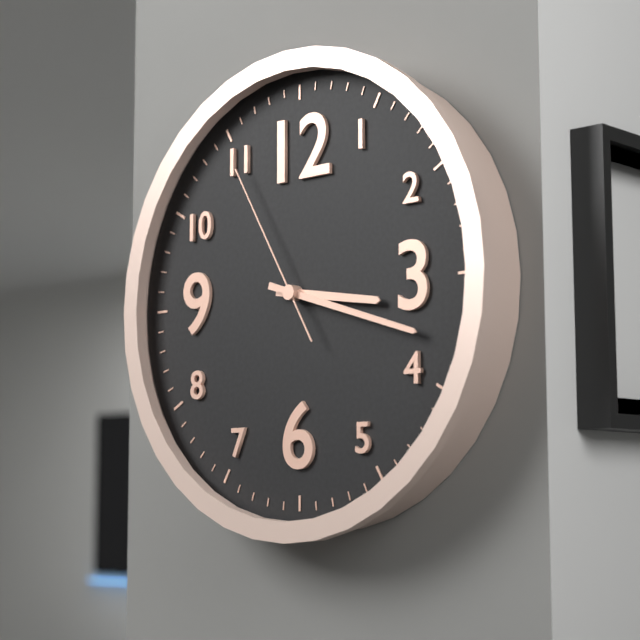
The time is 3h18m55s
